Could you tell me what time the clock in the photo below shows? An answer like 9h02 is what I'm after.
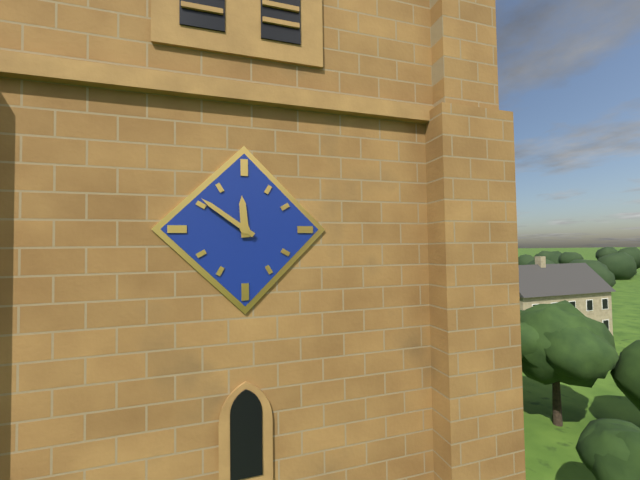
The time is 11h51
